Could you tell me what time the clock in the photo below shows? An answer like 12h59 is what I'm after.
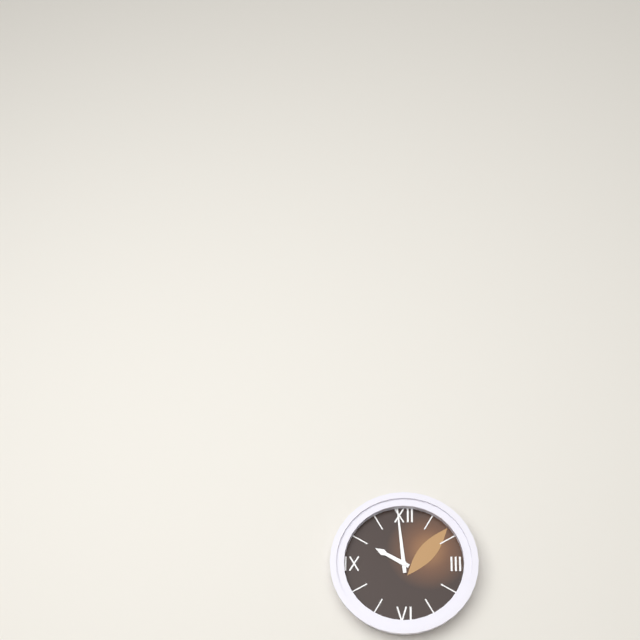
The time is 9h59
